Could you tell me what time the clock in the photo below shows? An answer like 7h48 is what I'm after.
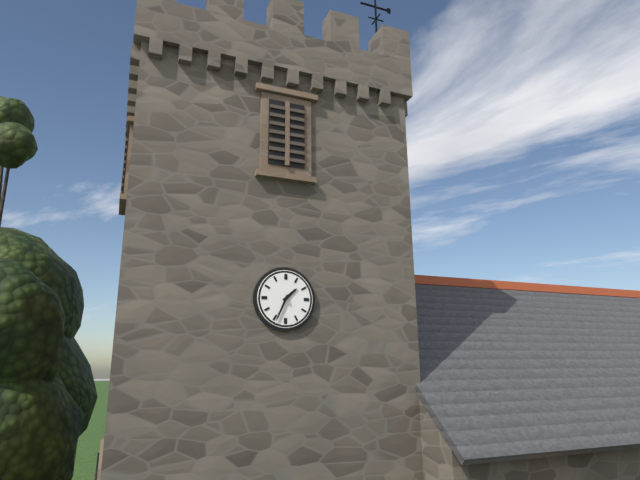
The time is 1h34
